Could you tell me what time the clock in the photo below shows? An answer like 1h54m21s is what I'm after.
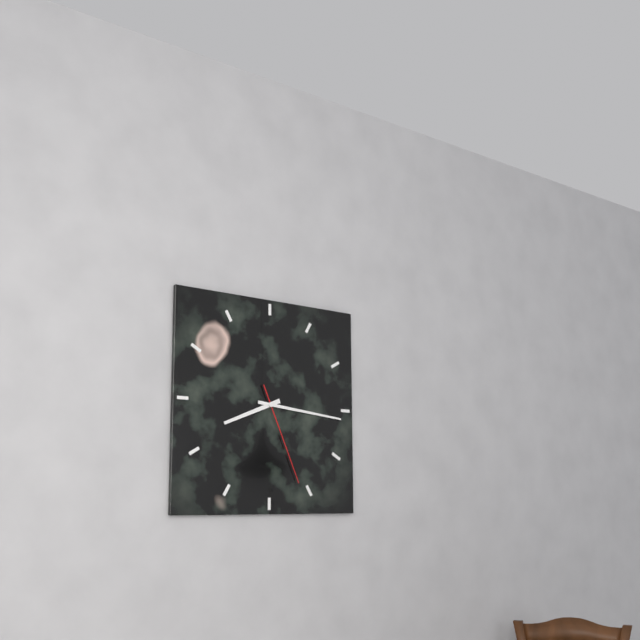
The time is 8h16m26s
